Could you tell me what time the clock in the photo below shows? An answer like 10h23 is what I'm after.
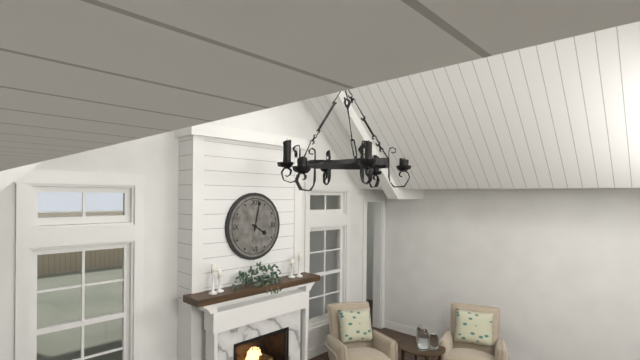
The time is 4h02
